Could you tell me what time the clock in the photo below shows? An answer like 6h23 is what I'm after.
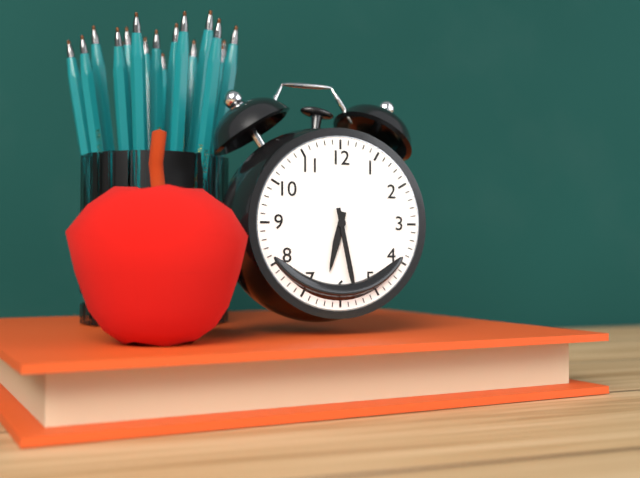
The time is 6h28
